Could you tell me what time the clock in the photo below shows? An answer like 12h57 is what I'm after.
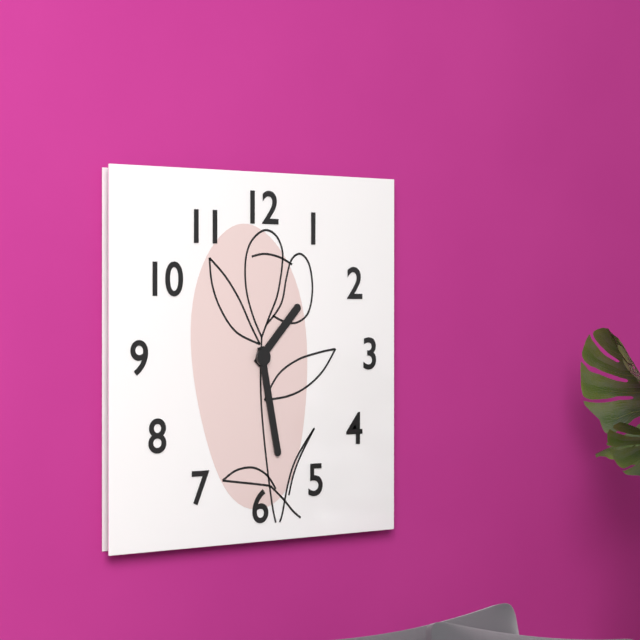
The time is 1h28
